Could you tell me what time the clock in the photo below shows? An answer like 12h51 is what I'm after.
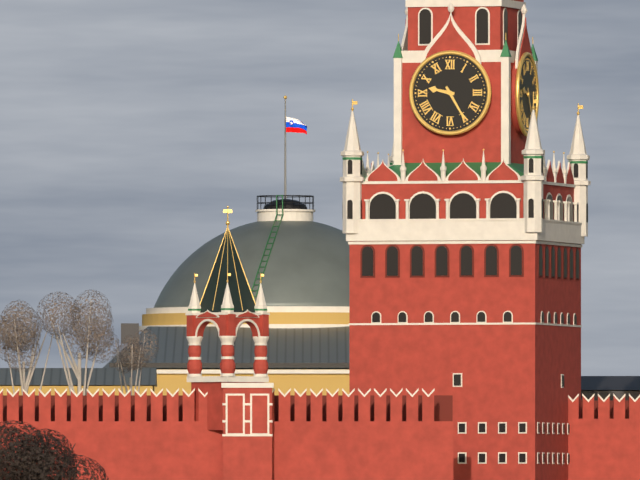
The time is 9h25
